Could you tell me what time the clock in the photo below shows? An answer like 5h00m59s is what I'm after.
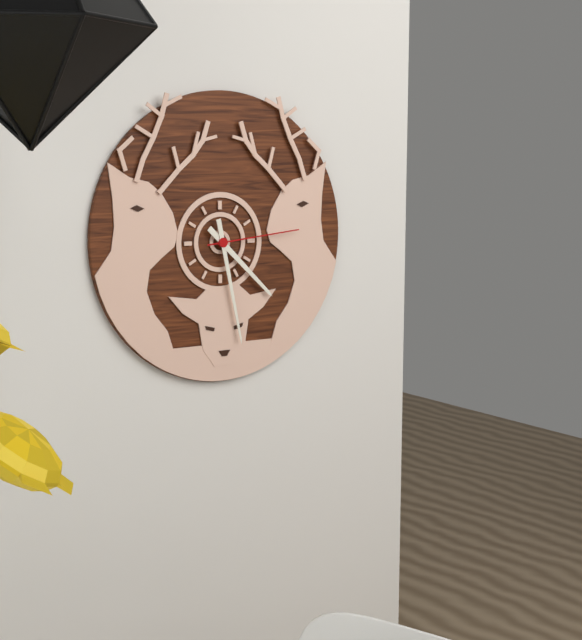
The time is 4h28m14s
